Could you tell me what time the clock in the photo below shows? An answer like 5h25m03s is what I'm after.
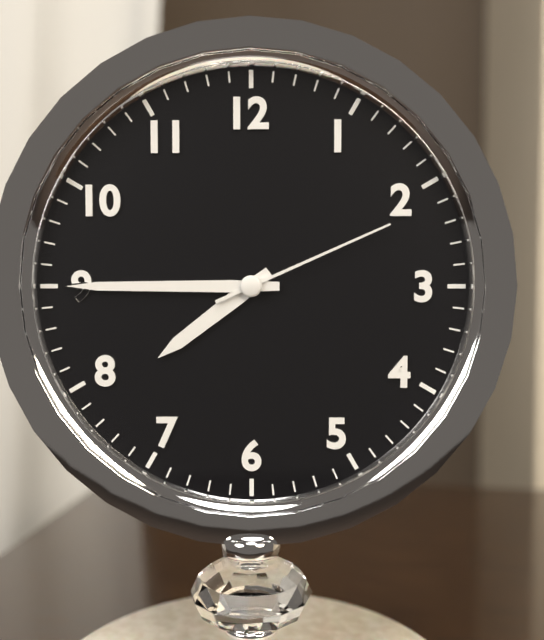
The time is 7h45m11s
